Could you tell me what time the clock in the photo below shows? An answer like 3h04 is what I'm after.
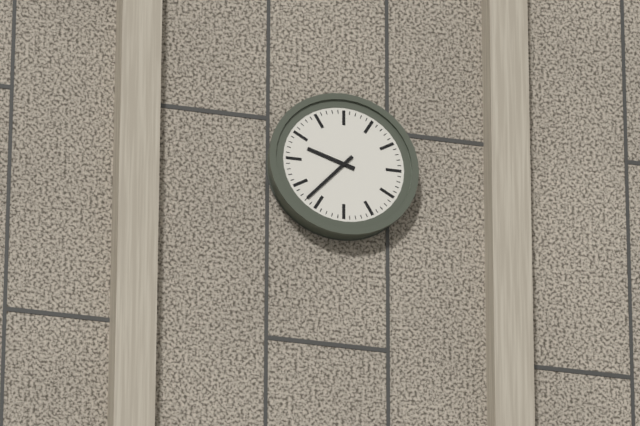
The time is 9h37
